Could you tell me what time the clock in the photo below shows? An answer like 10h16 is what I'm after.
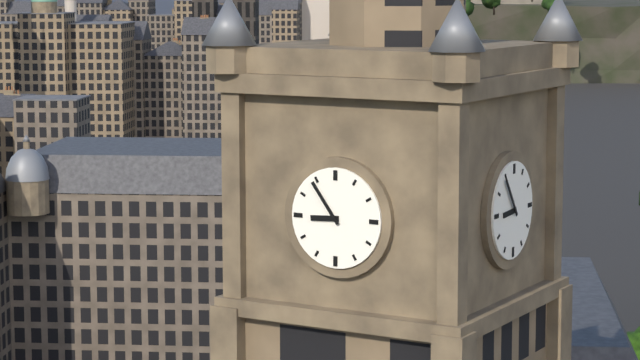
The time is 8h54
